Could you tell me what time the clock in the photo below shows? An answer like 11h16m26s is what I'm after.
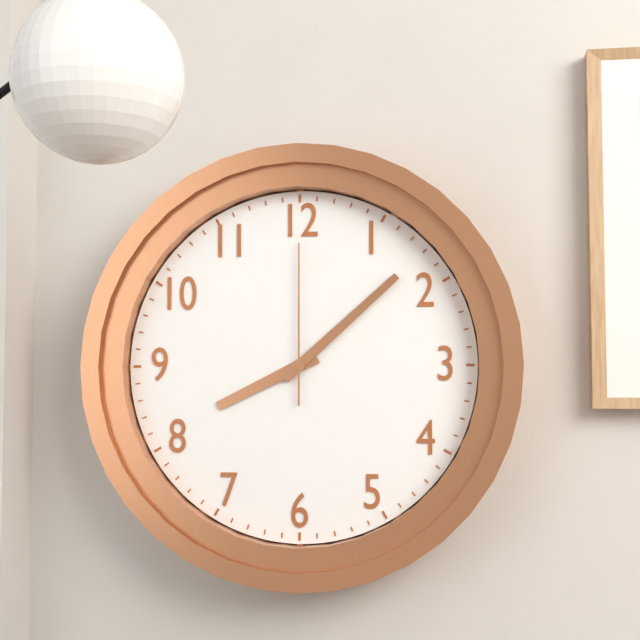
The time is 8h08m00s
